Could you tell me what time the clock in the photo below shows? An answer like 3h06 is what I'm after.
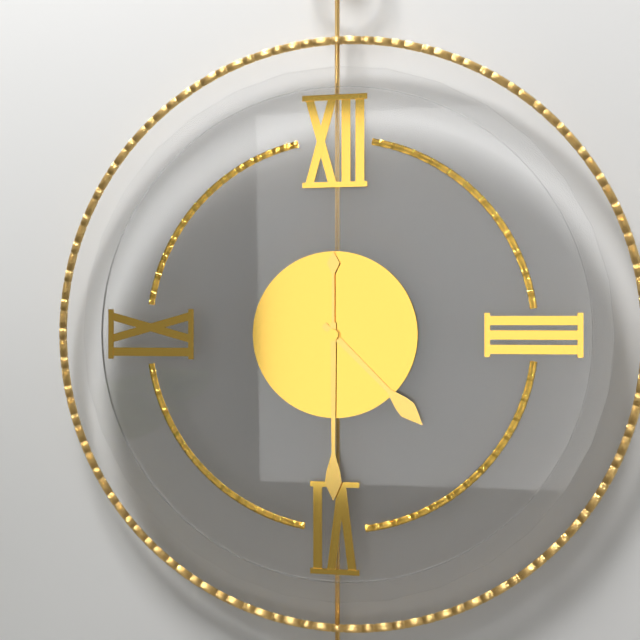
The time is 4h30
